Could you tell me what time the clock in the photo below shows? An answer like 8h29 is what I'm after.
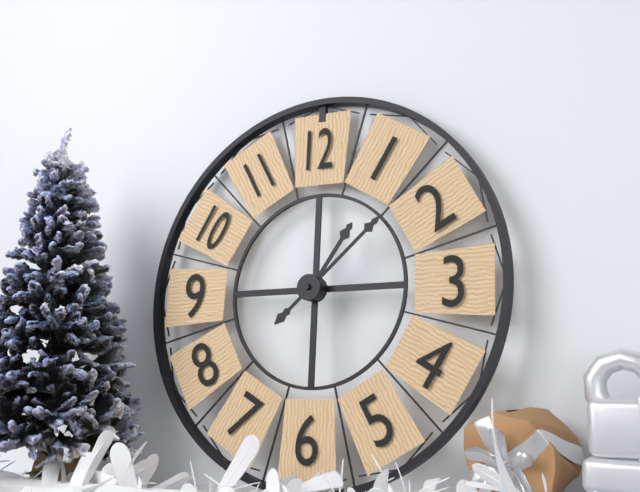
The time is 1h08
